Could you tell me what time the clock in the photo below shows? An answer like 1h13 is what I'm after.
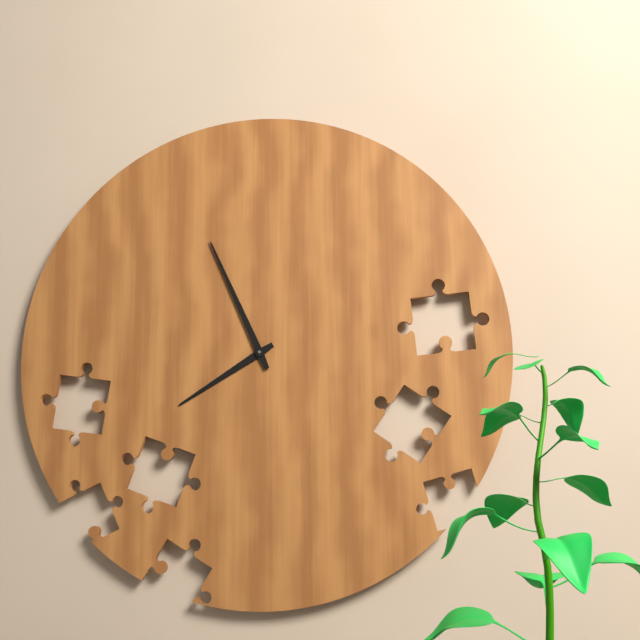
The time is 7h56
